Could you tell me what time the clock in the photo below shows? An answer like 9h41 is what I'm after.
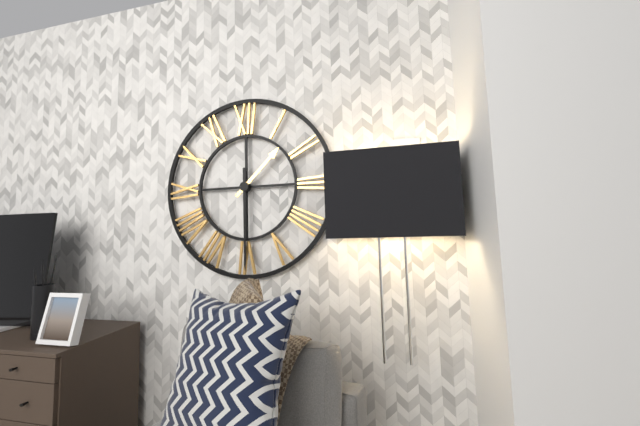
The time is 1h30
